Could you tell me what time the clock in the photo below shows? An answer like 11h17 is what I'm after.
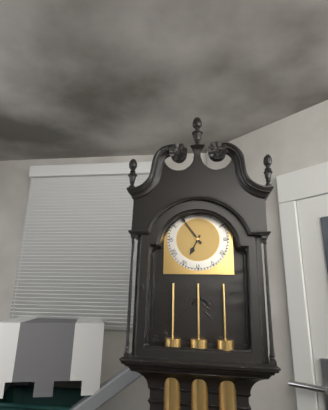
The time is 6h54
